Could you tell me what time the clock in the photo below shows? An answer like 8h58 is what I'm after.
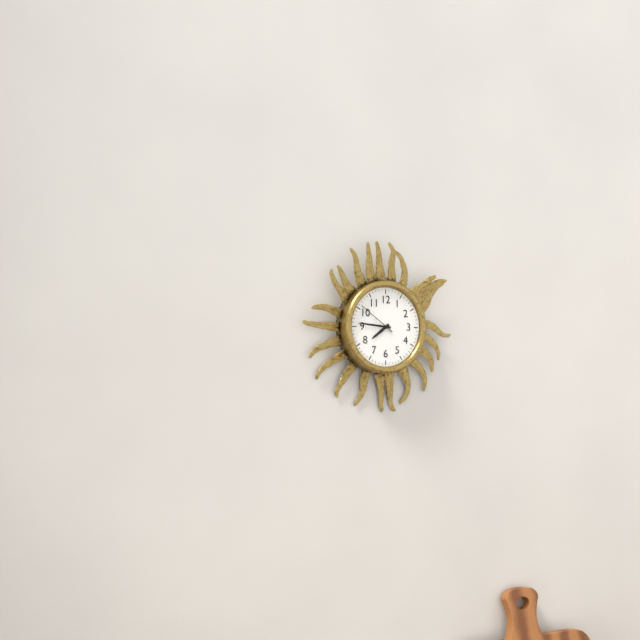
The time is 7h46
